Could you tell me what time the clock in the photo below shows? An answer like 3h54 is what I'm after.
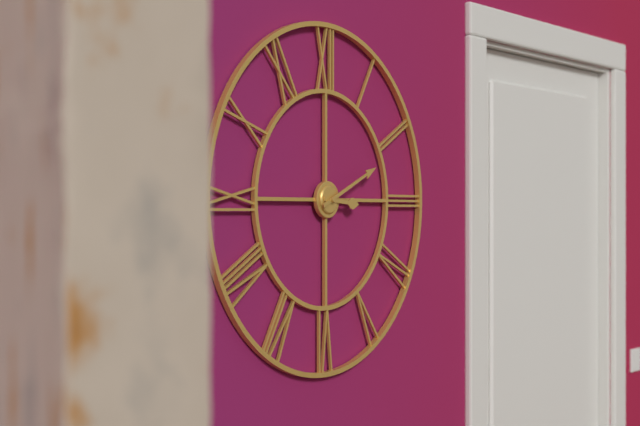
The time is 3h11
